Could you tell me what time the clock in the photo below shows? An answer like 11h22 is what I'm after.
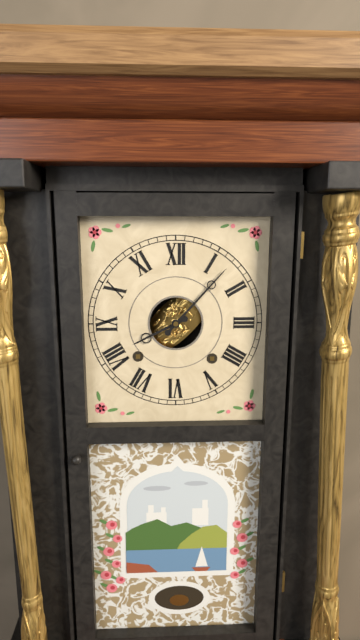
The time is 8h07
